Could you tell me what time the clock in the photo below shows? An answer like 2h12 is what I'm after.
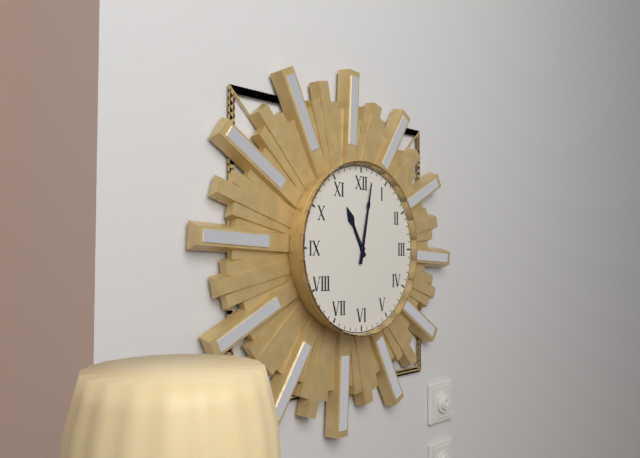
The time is 11h02
